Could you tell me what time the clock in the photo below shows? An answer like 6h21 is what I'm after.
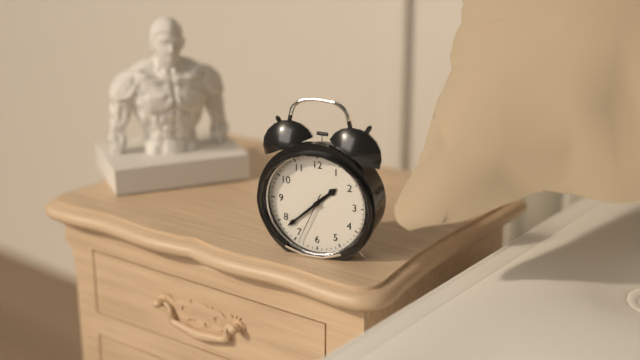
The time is 1h38
